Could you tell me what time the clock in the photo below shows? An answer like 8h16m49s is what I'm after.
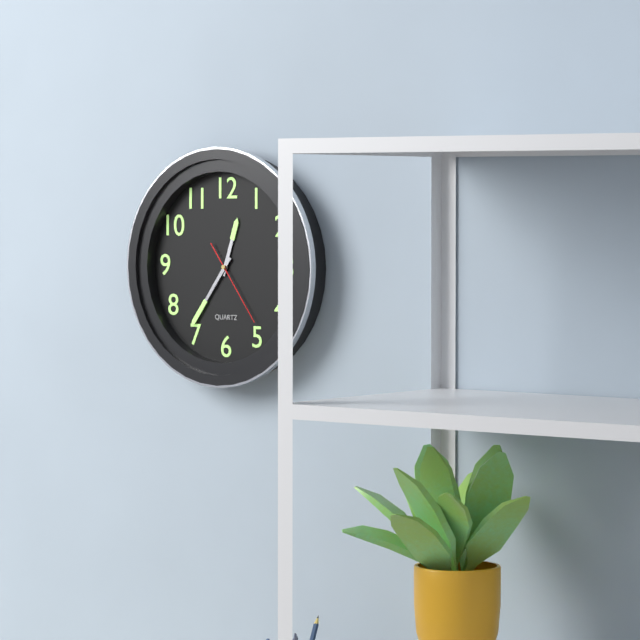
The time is 12h36m24s
